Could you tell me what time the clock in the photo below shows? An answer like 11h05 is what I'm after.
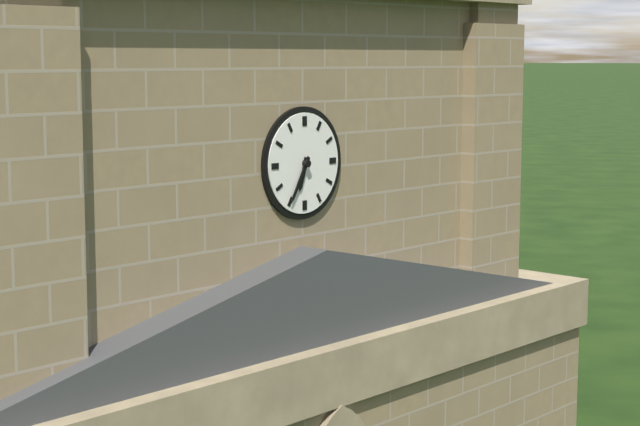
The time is 6h35
